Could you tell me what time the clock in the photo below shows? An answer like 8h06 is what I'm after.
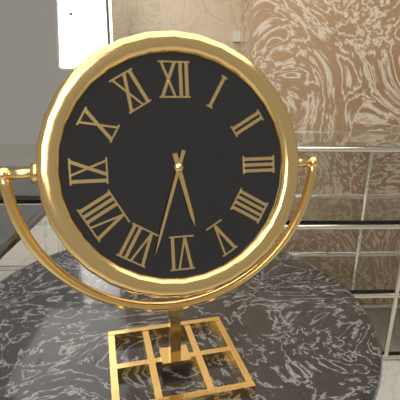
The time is 5h33
